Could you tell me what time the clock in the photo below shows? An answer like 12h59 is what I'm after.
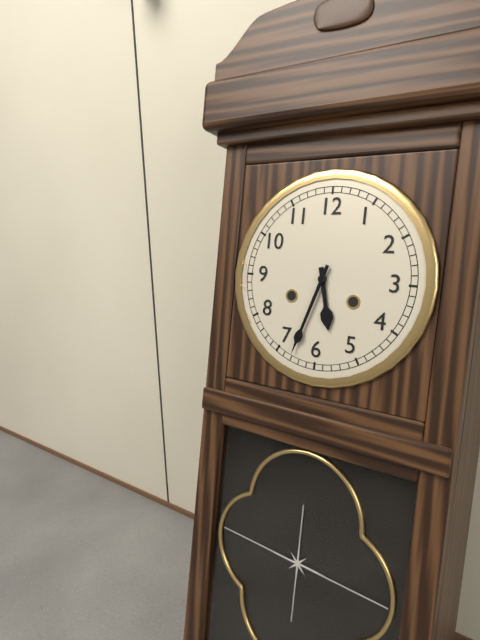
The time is 5h33
